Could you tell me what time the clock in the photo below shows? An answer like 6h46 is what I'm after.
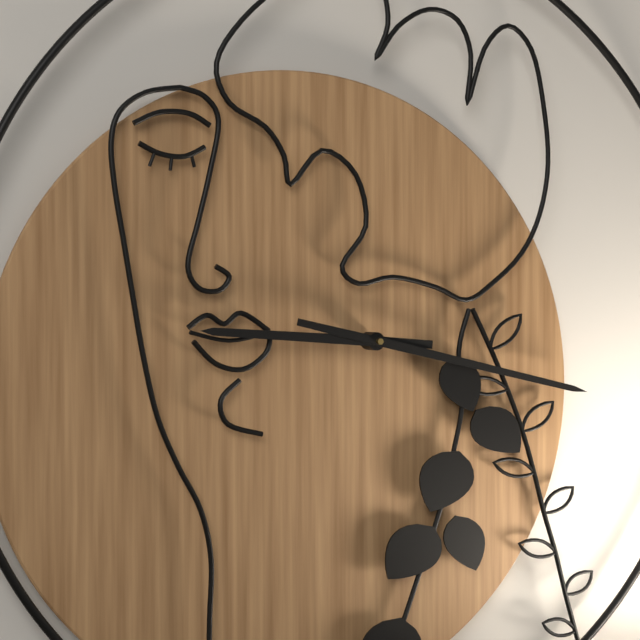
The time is 9h18
